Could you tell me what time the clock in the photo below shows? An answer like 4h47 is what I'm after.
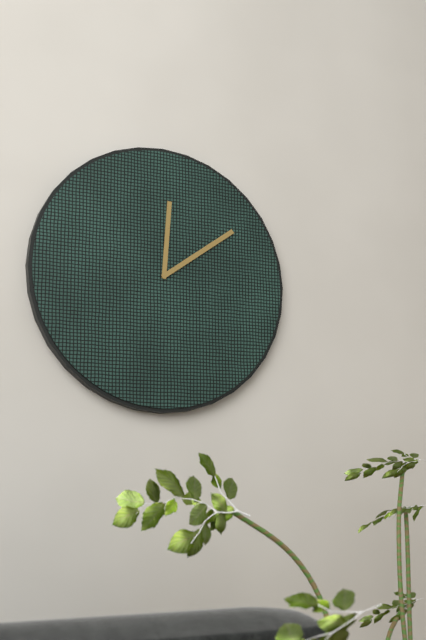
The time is 12h09
